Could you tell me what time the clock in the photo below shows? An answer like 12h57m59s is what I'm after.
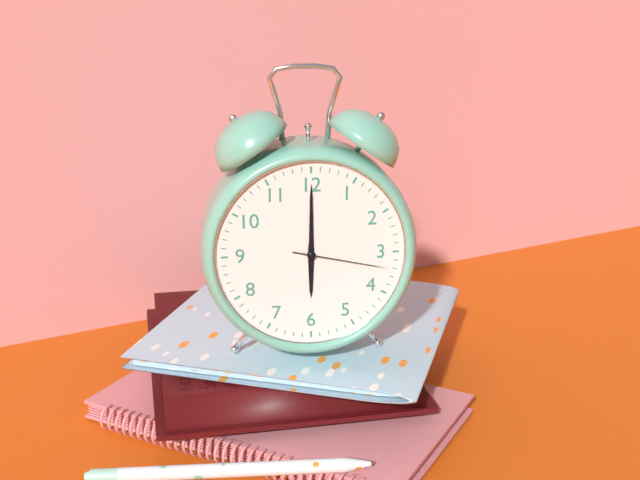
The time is 6h00m17s
